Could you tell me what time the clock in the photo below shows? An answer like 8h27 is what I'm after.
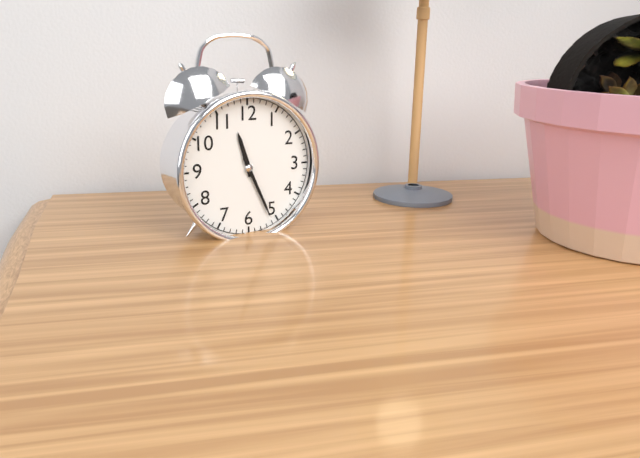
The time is 11h26
